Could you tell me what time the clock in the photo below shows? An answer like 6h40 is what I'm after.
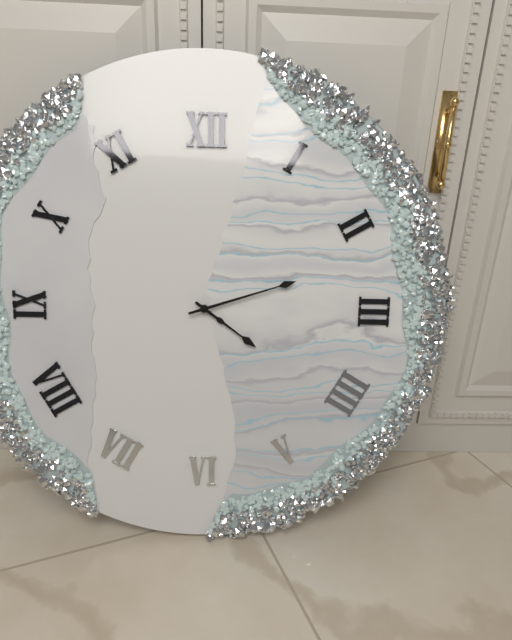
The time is 4h12
